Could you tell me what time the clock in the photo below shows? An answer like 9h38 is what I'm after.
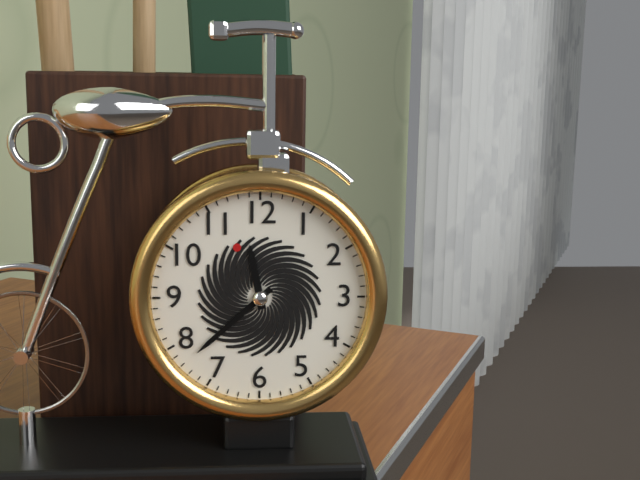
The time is 11h38
